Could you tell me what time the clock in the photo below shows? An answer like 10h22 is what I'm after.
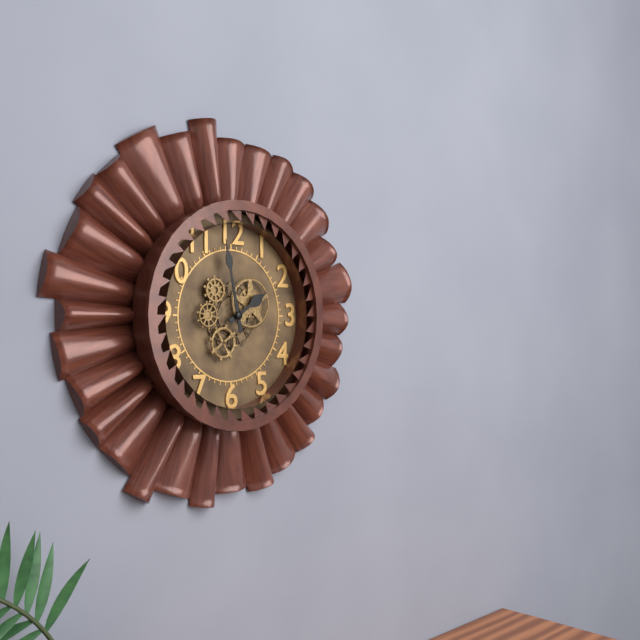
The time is 1h58
